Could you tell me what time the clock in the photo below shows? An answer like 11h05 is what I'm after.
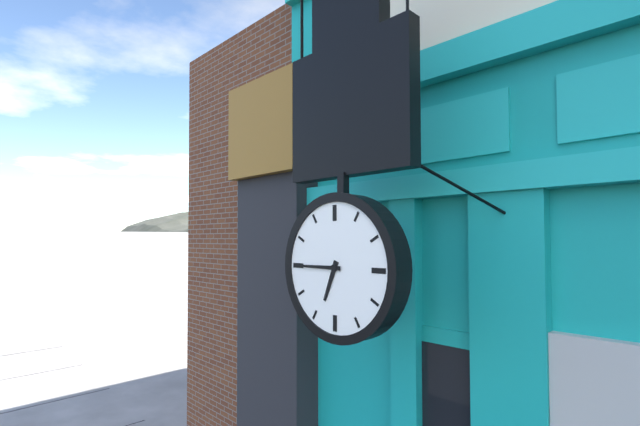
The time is 6h45
